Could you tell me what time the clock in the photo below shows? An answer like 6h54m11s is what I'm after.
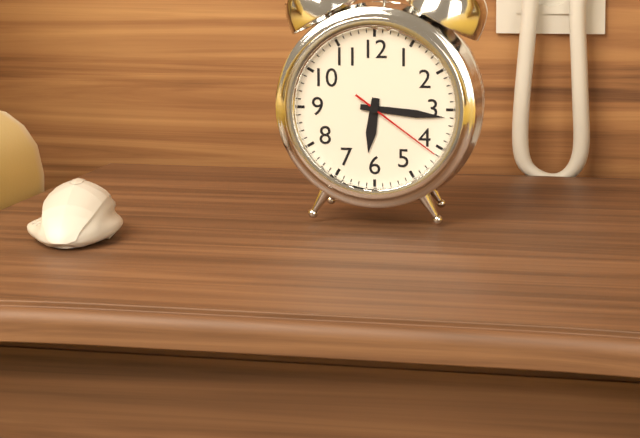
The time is 6h16m21s
